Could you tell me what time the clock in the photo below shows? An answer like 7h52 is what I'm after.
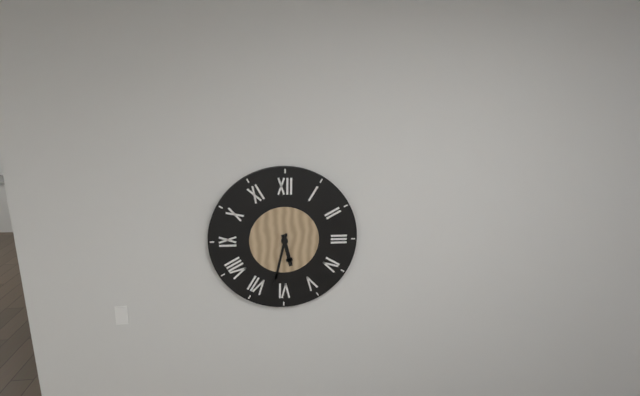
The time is 5h32
